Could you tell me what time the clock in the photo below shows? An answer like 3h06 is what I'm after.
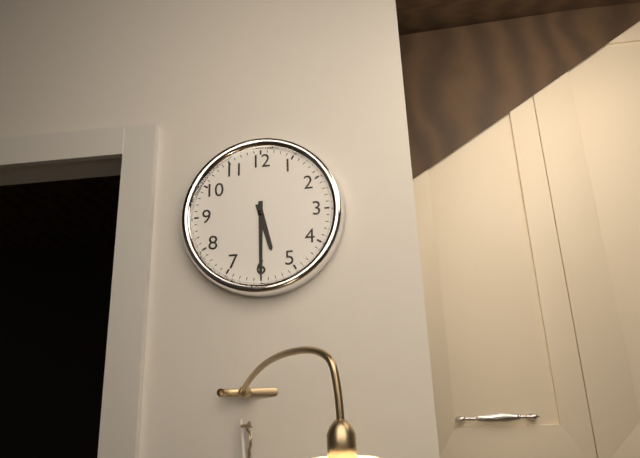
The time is 5h30
